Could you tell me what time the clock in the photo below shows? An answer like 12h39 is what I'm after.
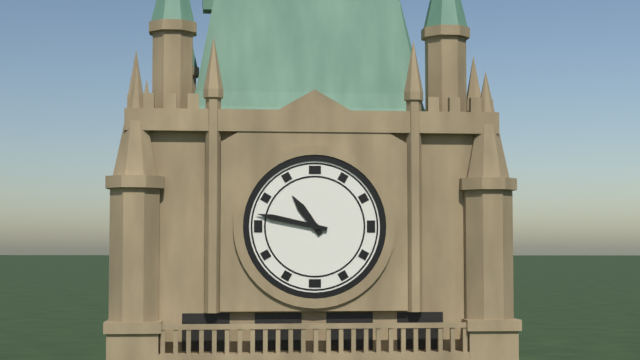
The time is 10h47
